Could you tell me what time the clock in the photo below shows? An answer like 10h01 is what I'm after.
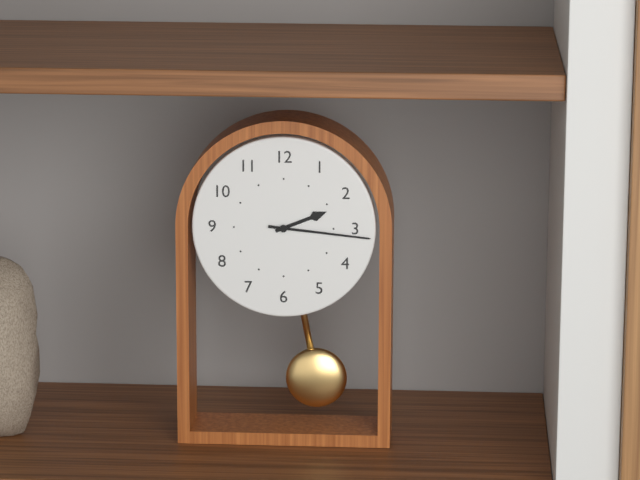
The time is 2h16
